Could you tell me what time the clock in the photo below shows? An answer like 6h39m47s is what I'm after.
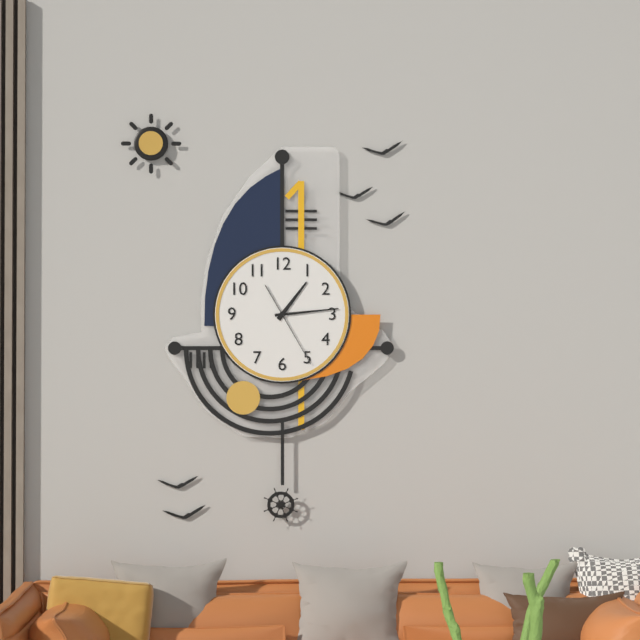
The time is 1h14m25s
